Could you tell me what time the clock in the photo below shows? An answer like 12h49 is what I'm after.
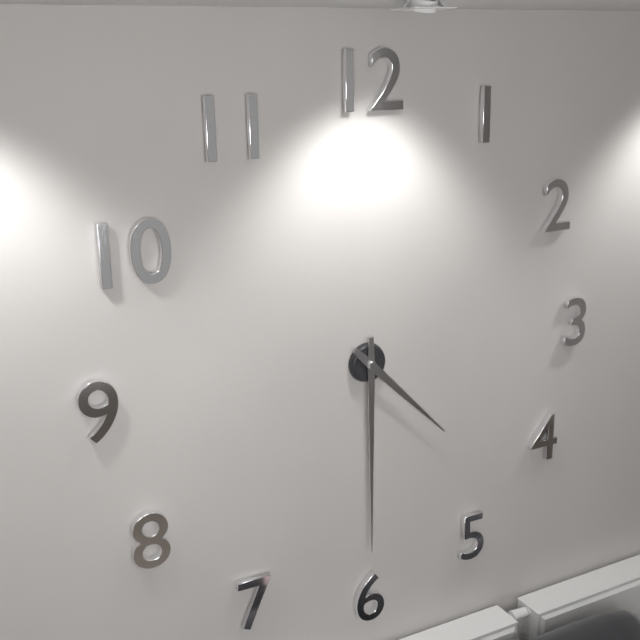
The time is 4h30
